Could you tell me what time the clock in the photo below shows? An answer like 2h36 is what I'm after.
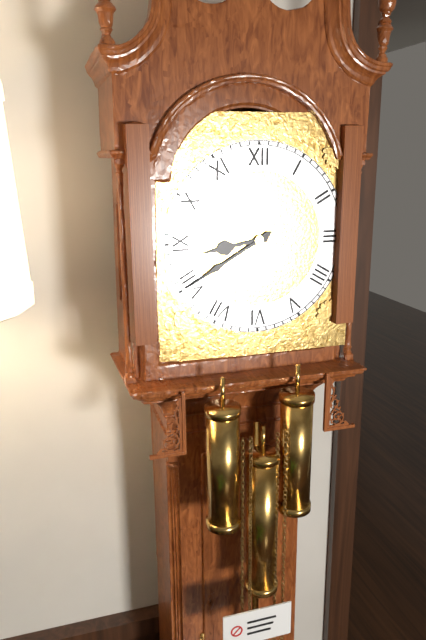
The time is 8h40
